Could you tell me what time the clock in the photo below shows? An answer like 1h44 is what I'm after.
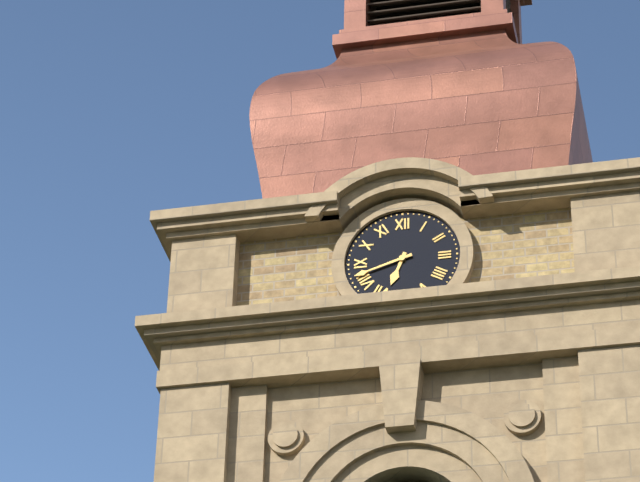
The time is 6h42
